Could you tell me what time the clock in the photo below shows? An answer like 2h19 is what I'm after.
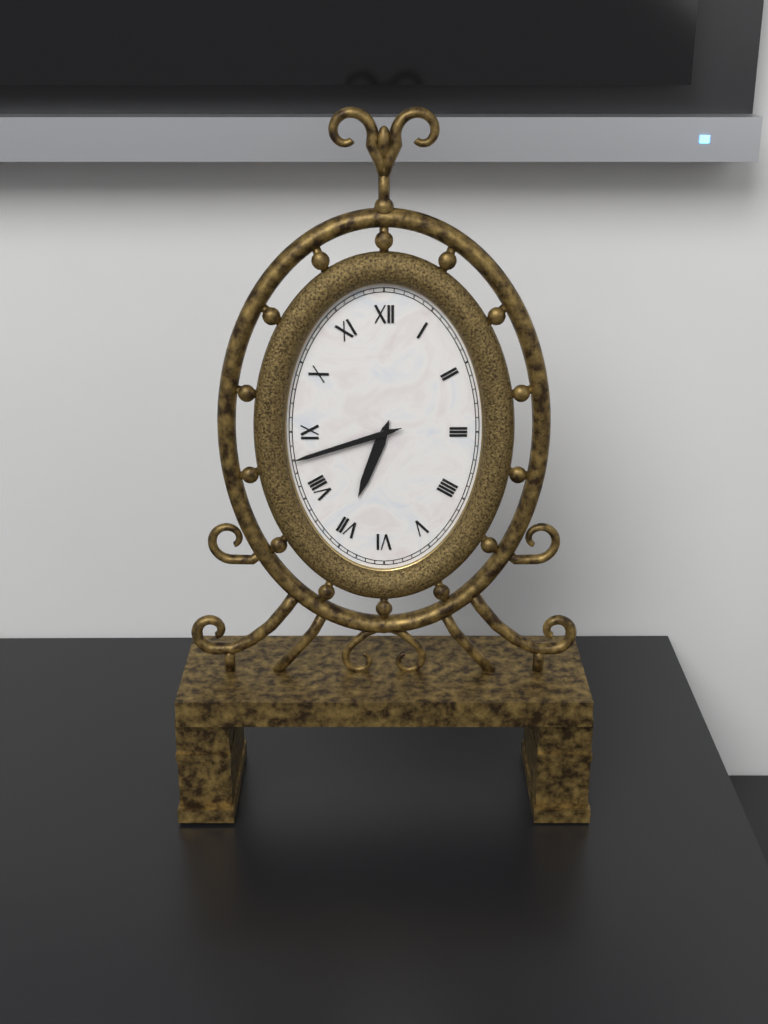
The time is 6h42
